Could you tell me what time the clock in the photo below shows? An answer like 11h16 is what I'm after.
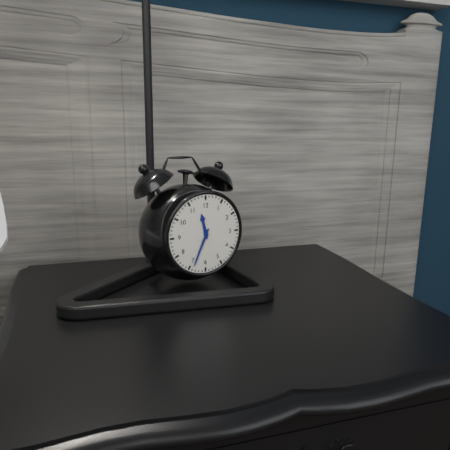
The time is 11h34
